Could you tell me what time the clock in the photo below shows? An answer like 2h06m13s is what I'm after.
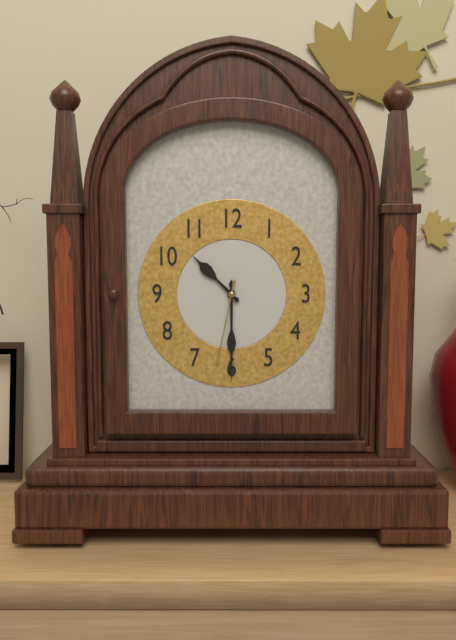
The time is 10h30m32s
